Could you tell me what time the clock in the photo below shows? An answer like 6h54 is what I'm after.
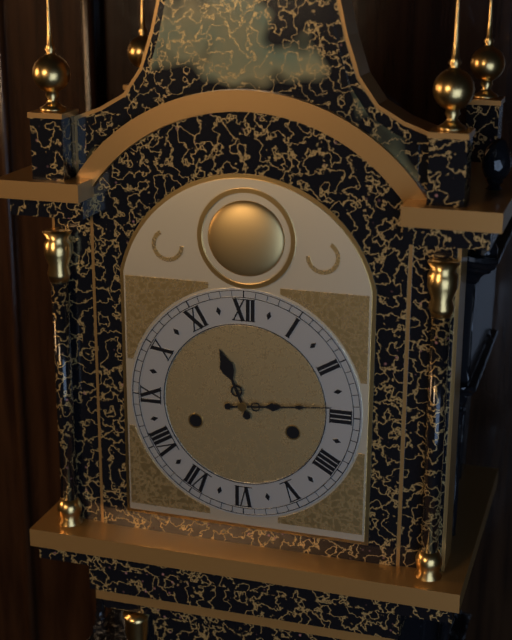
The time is 11h14
